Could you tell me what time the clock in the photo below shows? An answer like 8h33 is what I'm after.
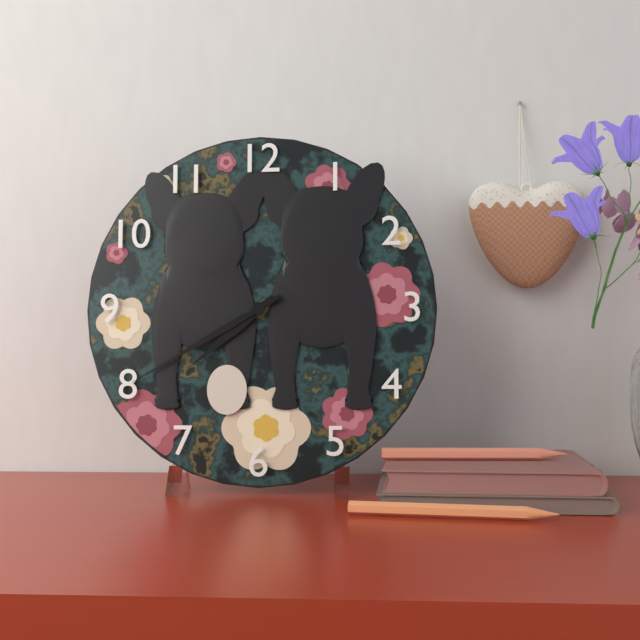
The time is 7h40
